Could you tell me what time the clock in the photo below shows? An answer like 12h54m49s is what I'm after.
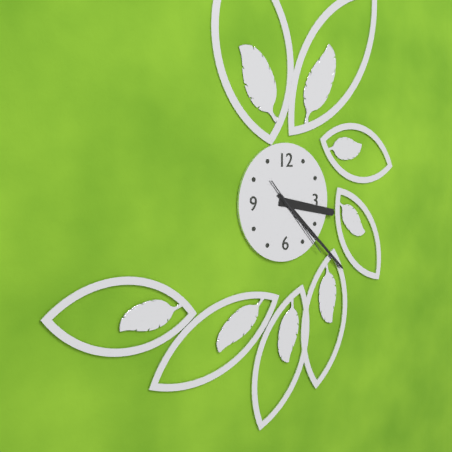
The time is 3h22m23s
